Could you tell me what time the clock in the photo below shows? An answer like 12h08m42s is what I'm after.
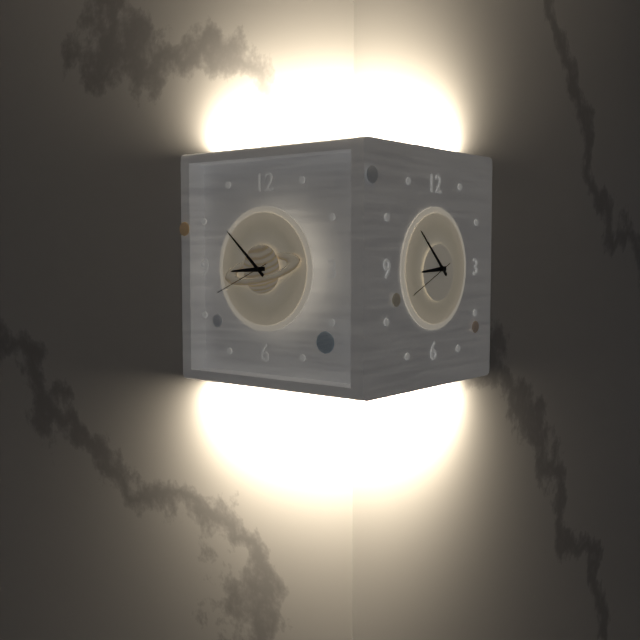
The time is 8h52m41s
